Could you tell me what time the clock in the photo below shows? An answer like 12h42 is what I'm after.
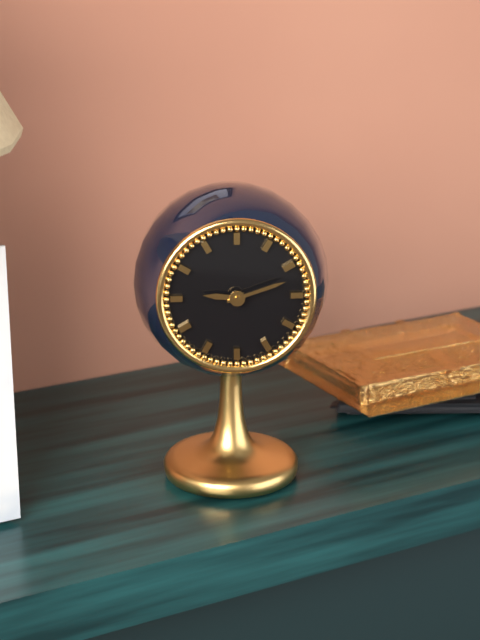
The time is 9h12
